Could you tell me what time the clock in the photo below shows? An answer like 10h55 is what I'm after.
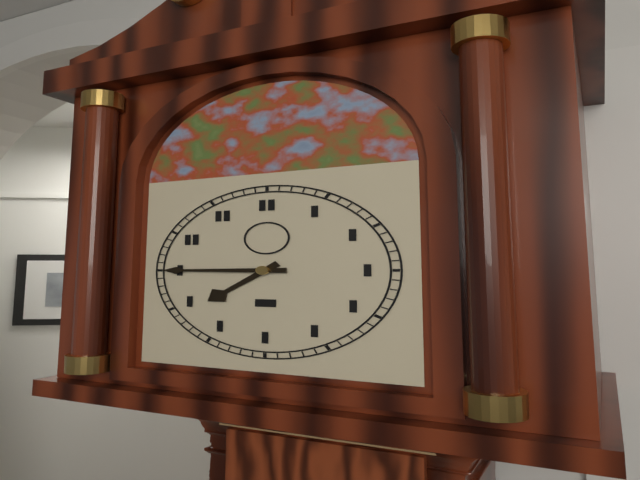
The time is 7h45
